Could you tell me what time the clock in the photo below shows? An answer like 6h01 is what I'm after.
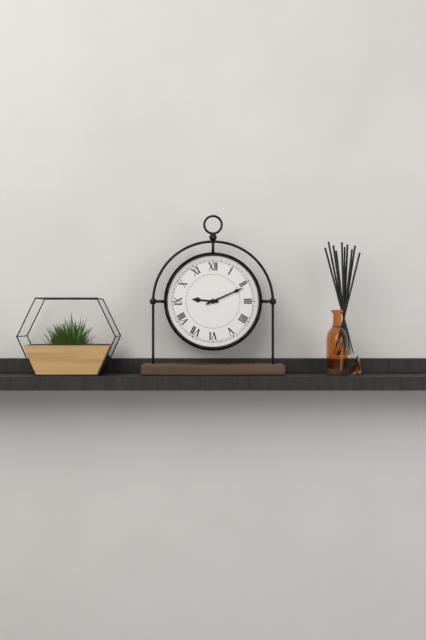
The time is 9h11
